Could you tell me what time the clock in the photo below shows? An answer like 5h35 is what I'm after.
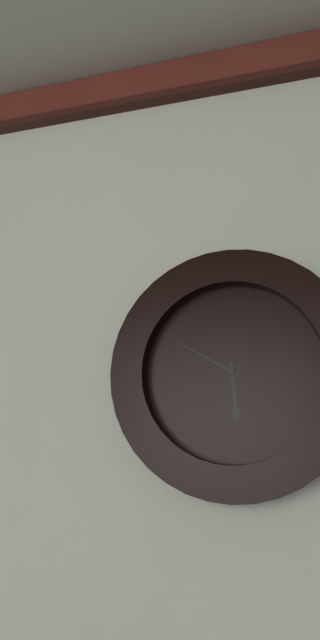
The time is 5h50
